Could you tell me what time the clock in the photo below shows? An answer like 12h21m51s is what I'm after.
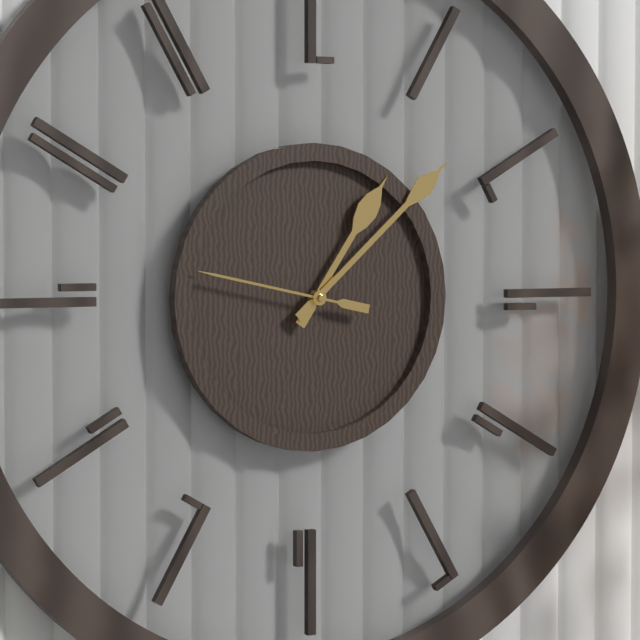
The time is 1h08m47s
